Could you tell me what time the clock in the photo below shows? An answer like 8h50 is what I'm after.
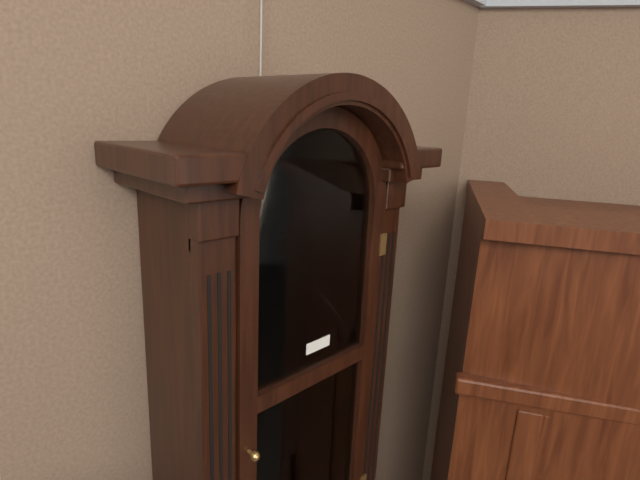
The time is 9h53
